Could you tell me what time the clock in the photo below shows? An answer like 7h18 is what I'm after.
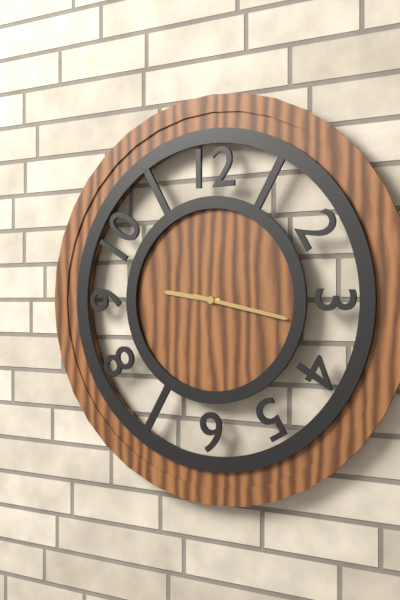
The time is 9h17
